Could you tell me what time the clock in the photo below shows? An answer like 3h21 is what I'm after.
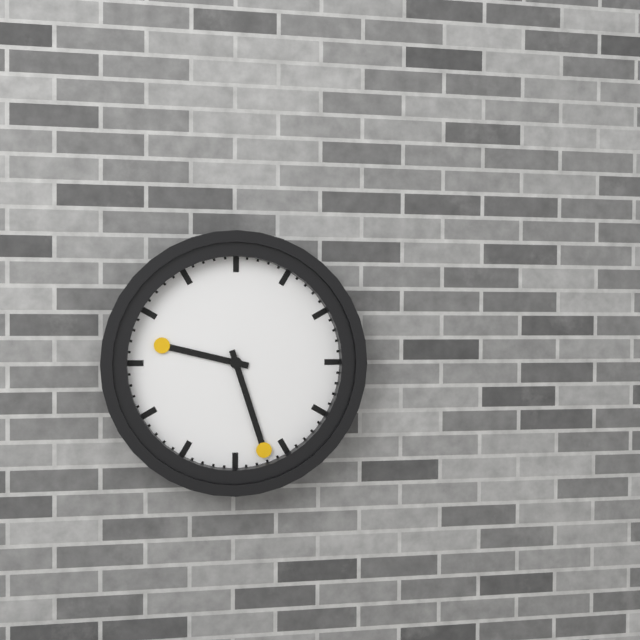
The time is 9h27
